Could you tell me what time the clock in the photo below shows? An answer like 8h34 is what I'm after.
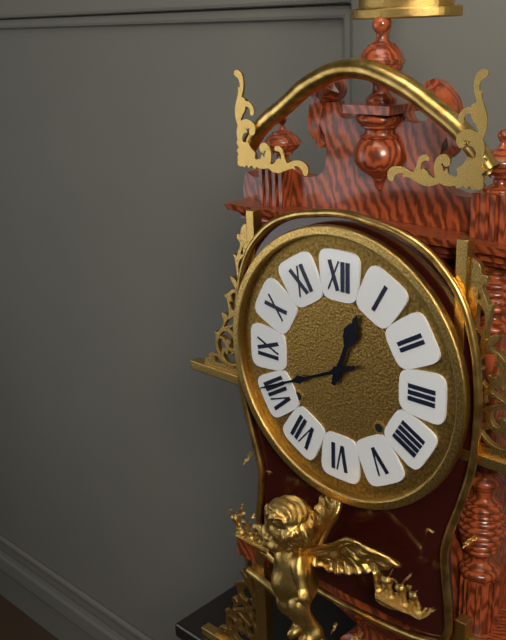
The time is 12h41
